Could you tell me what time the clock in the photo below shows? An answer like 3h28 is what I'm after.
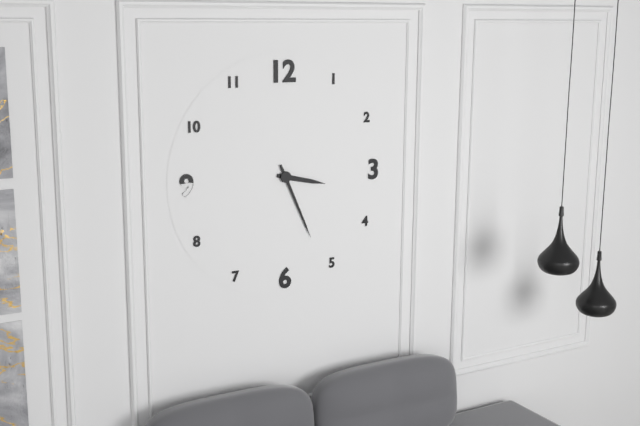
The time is 3h26
